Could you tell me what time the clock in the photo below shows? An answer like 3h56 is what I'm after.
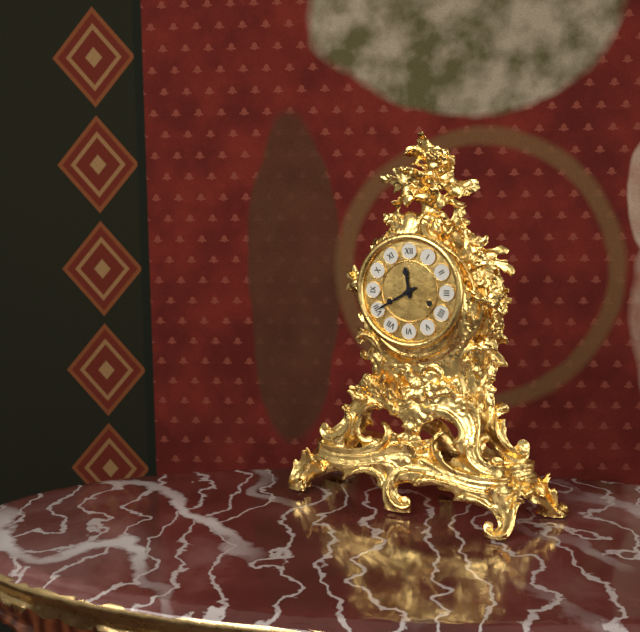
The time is 11h40
